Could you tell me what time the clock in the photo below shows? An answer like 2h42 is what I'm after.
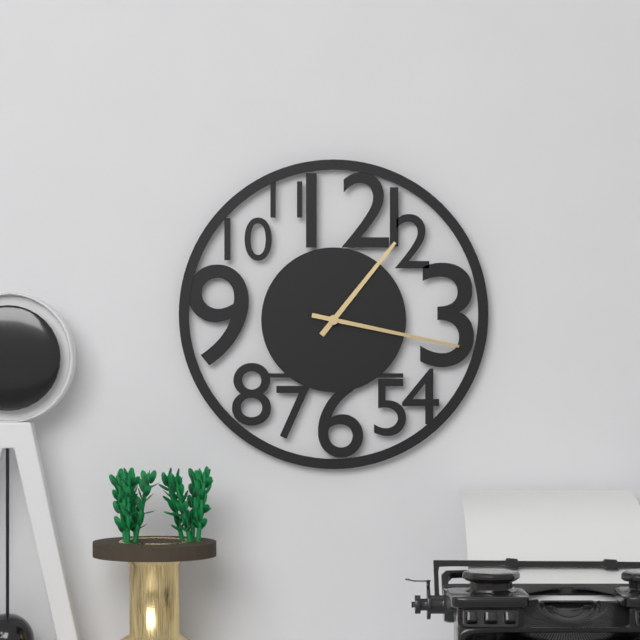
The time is 1h17
